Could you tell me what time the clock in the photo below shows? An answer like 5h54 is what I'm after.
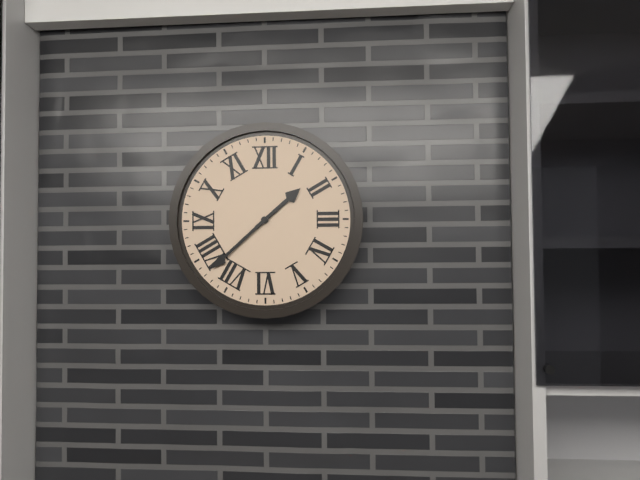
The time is 1h38
